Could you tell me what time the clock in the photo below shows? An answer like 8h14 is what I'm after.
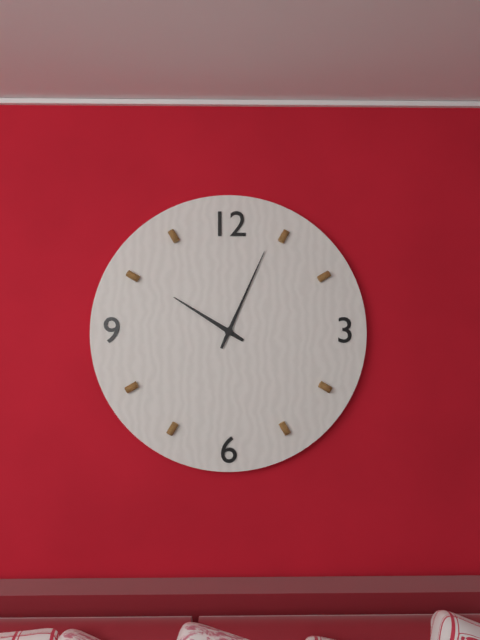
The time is 10h04
